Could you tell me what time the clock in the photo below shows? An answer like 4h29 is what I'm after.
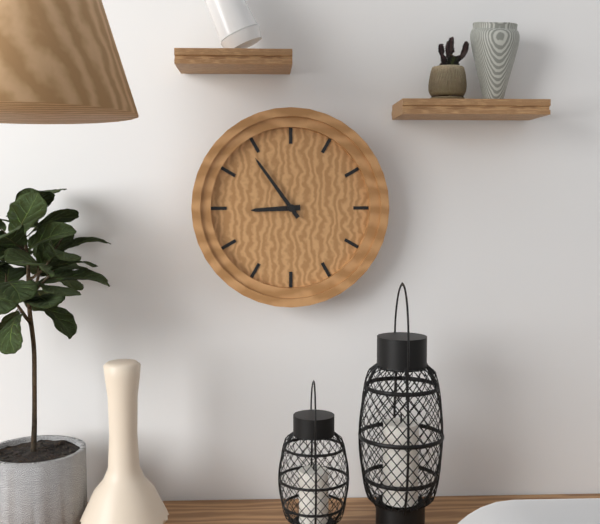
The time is 8h54
